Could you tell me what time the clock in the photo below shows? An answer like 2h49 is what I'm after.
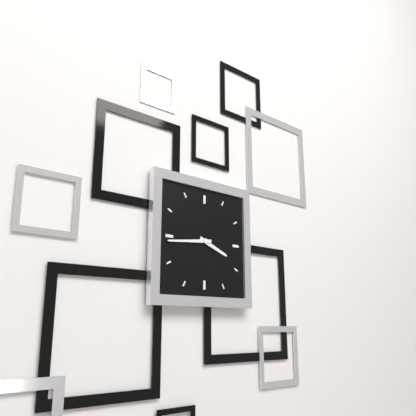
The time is 3h44
